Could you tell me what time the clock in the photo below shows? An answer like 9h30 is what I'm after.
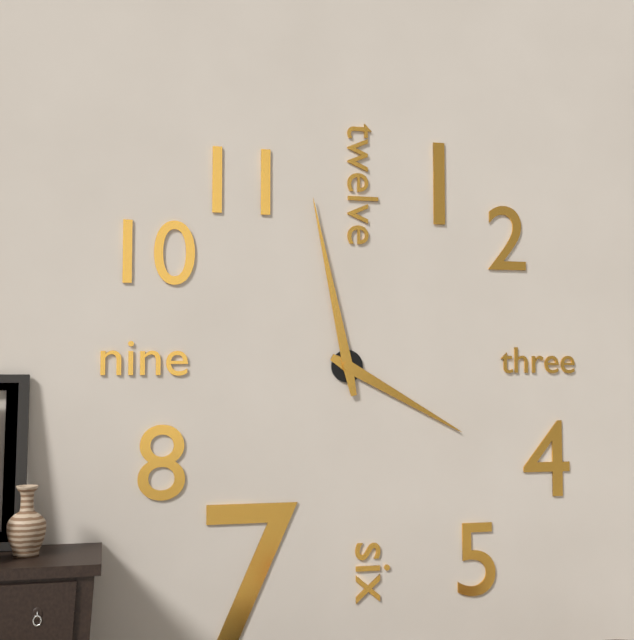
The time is 3h58
